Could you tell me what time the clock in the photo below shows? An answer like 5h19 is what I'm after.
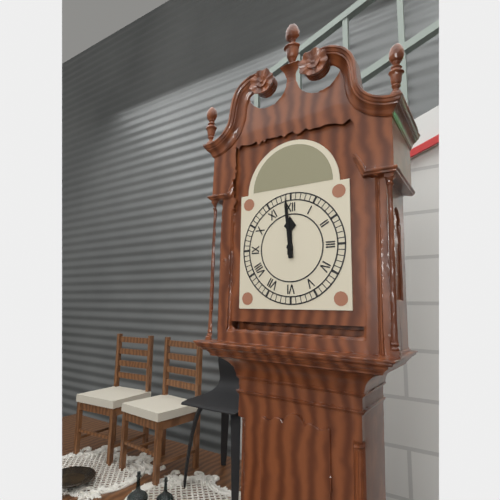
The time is 11h59
